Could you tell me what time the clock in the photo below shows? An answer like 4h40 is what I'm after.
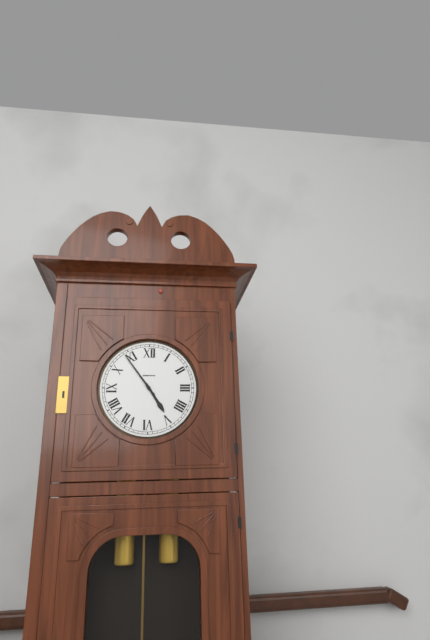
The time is 4h54
